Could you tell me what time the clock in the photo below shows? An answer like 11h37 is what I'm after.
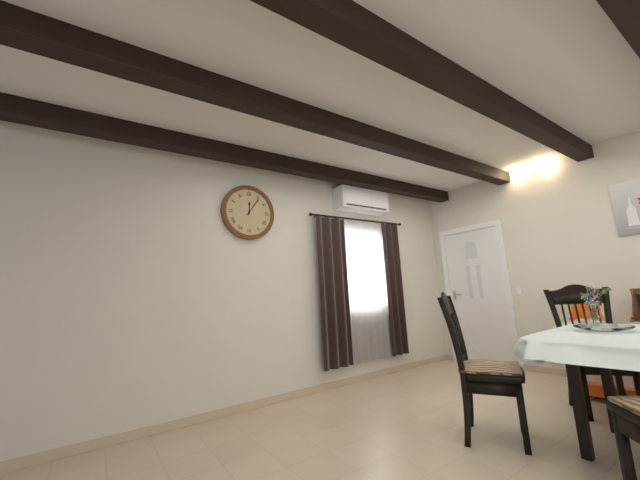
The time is 12h06
